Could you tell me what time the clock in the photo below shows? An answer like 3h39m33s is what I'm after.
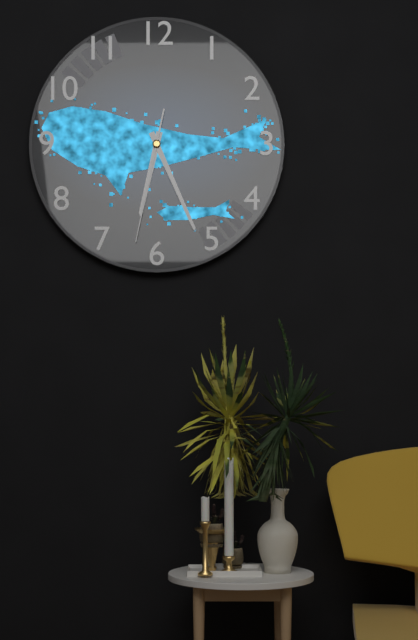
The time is 6h26m32s
